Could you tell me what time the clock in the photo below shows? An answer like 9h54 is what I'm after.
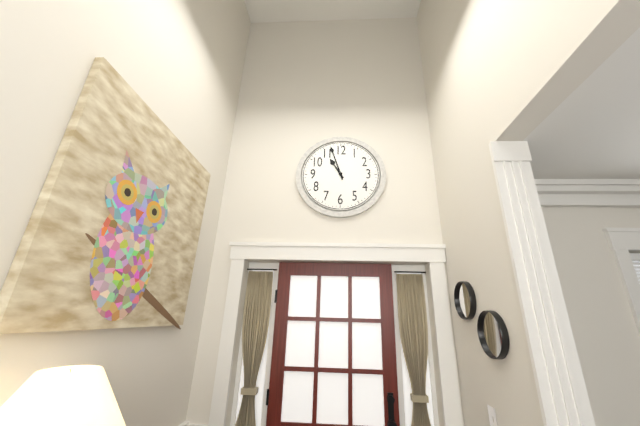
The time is 10h57
